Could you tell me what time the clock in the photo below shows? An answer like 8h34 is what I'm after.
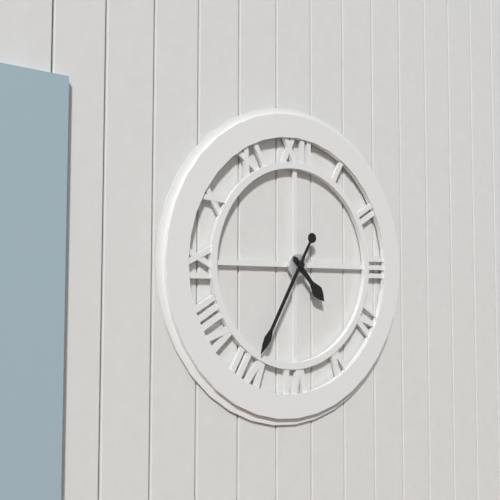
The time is 4h35
